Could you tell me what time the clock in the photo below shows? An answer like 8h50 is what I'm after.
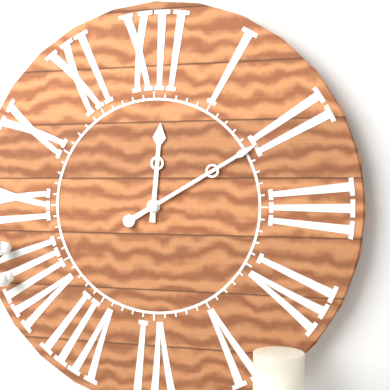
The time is 12h10
